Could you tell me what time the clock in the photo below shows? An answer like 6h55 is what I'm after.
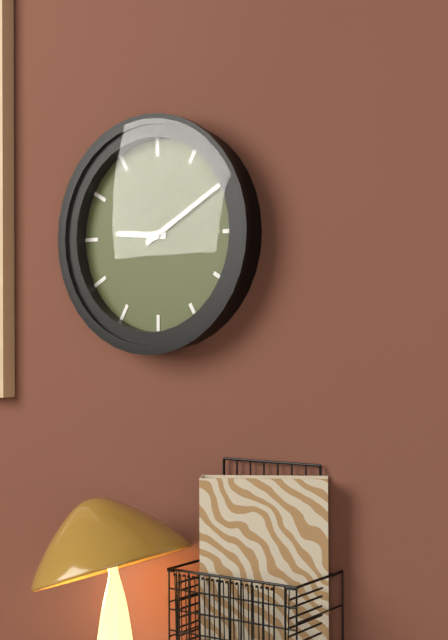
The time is 9h10
